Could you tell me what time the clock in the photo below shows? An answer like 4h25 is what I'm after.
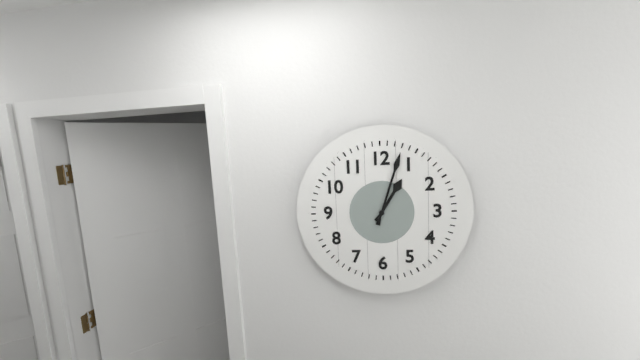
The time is 1h03
